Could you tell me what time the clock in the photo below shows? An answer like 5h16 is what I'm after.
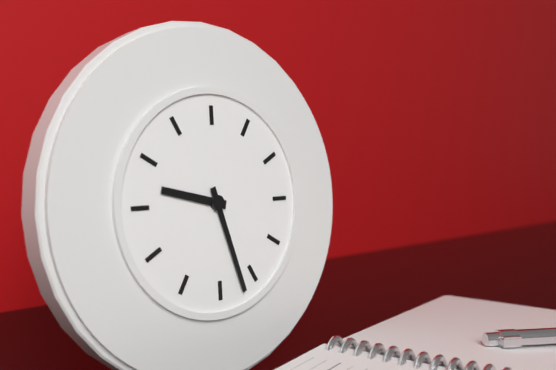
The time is 9h27
